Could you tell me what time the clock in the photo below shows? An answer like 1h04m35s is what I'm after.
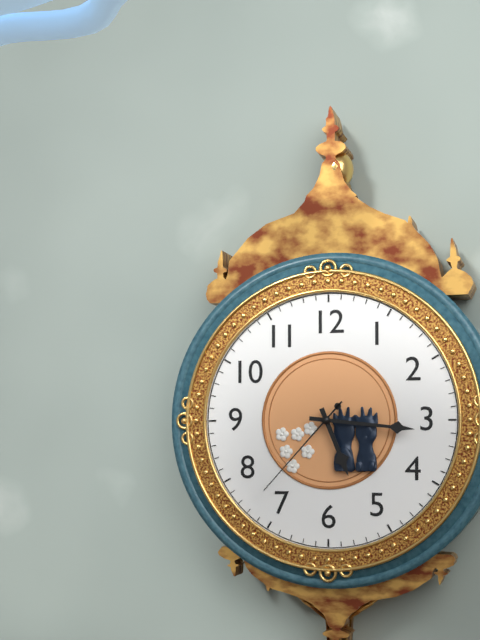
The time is 5h16m37s
